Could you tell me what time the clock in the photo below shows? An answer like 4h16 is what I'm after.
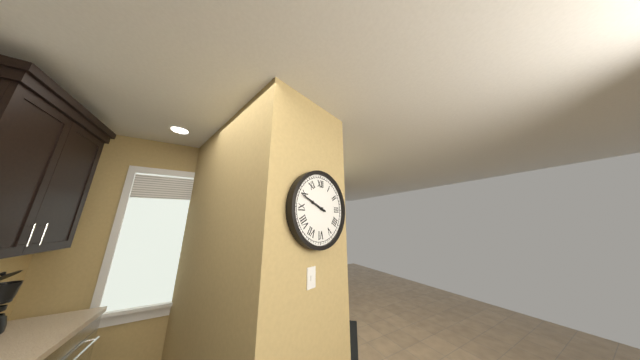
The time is 9h49
